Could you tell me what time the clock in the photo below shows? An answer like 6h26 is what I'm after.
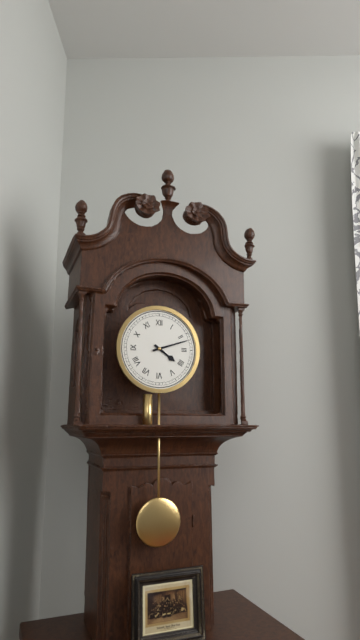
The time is 4h12
